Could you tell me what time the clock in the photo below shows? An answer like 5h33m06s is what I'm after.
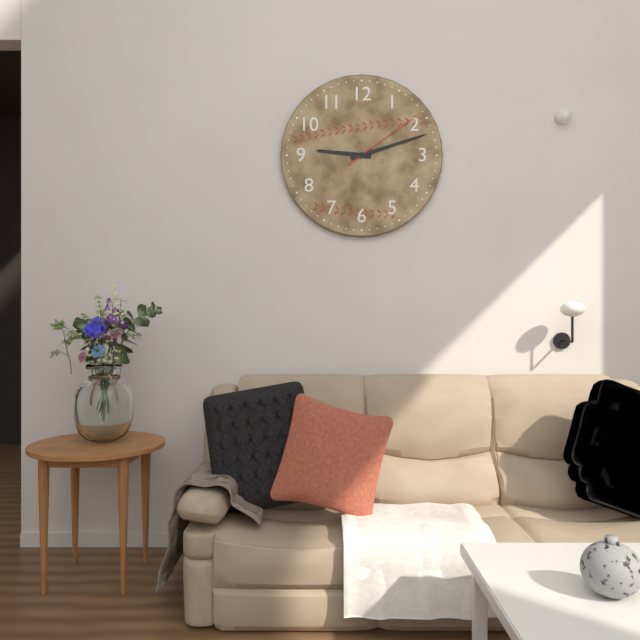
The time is 9h12m09s
